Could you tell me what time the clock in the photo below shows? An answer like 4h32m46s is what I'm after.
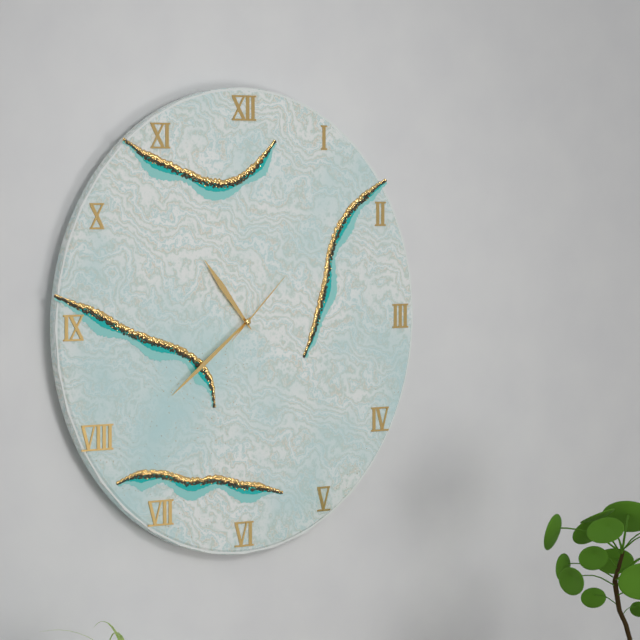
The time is 10h39m08s
